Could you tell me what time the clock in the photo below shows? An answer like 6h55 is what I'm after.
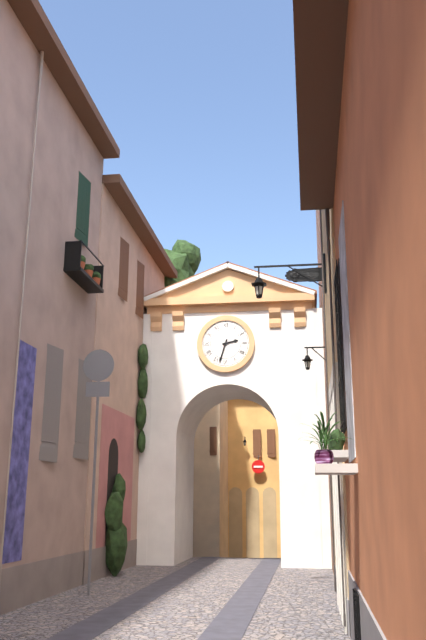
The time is 2h33
